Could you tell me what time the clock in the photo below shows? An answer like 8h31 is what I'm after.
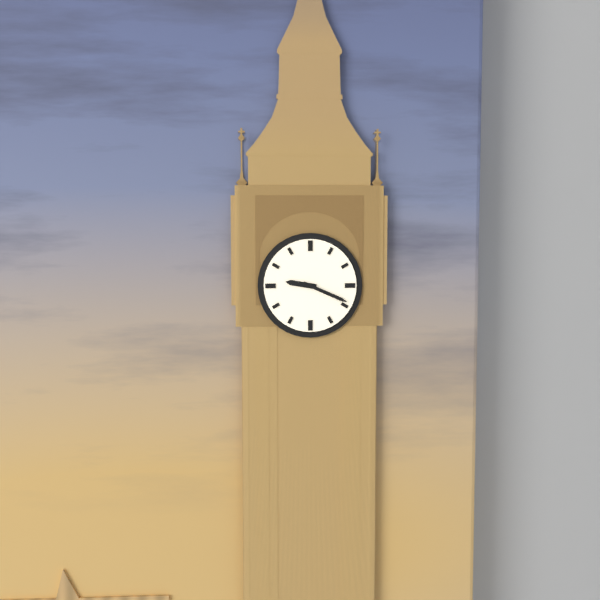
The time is 9h19
